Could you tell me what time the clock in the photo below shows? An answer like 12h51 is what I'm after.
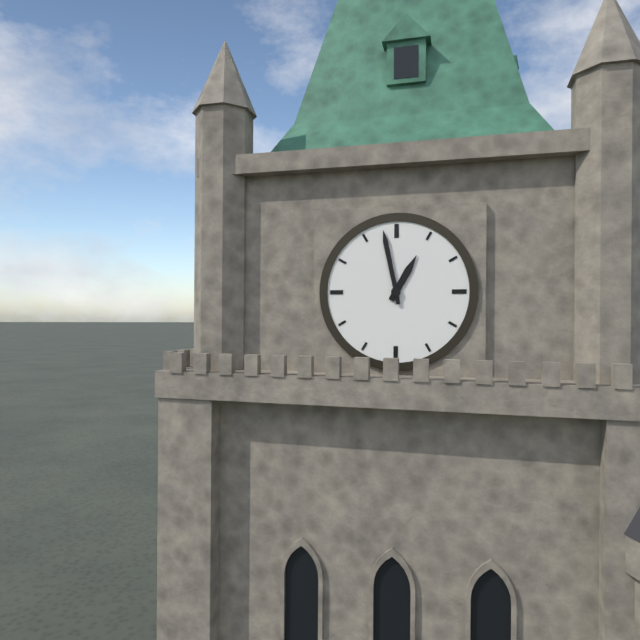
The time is 12h58
